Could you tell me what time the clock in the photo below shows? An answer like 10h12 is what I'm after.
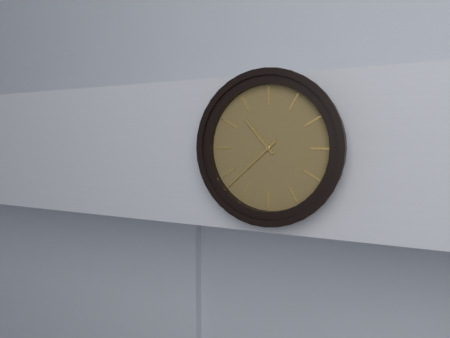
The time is 10h38
